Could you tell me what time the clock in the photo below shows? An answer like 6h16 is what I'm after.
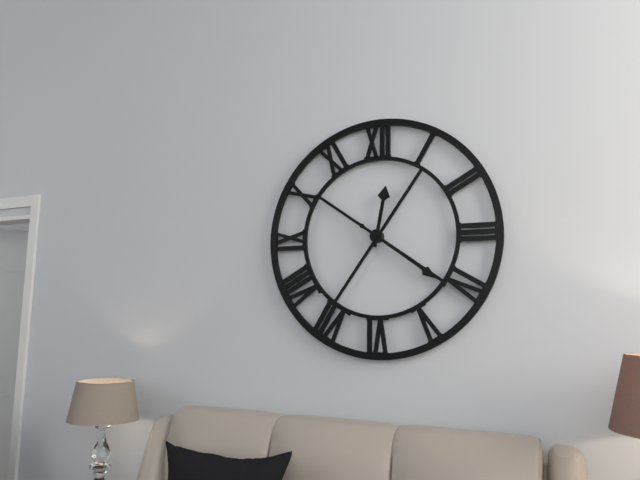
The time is 12h21
